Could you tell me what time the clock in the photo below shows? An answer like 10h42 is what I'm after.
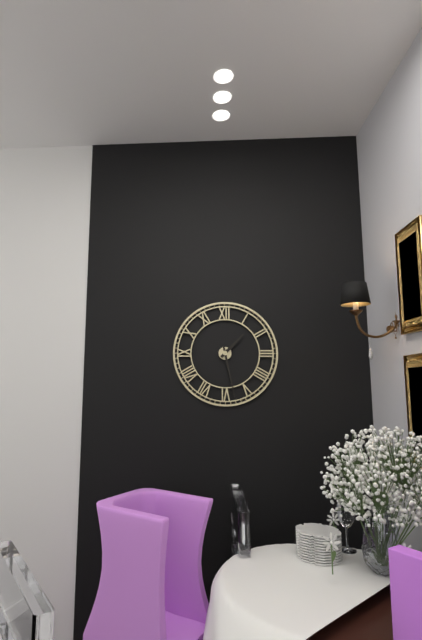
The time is 1h28
